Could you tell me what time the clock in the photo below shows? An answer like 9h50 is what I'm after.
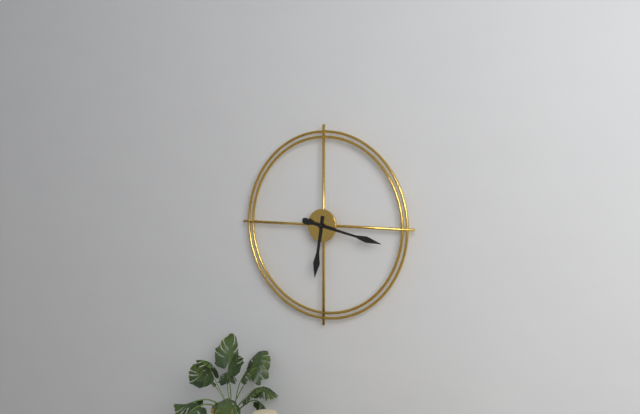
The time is 6h17
